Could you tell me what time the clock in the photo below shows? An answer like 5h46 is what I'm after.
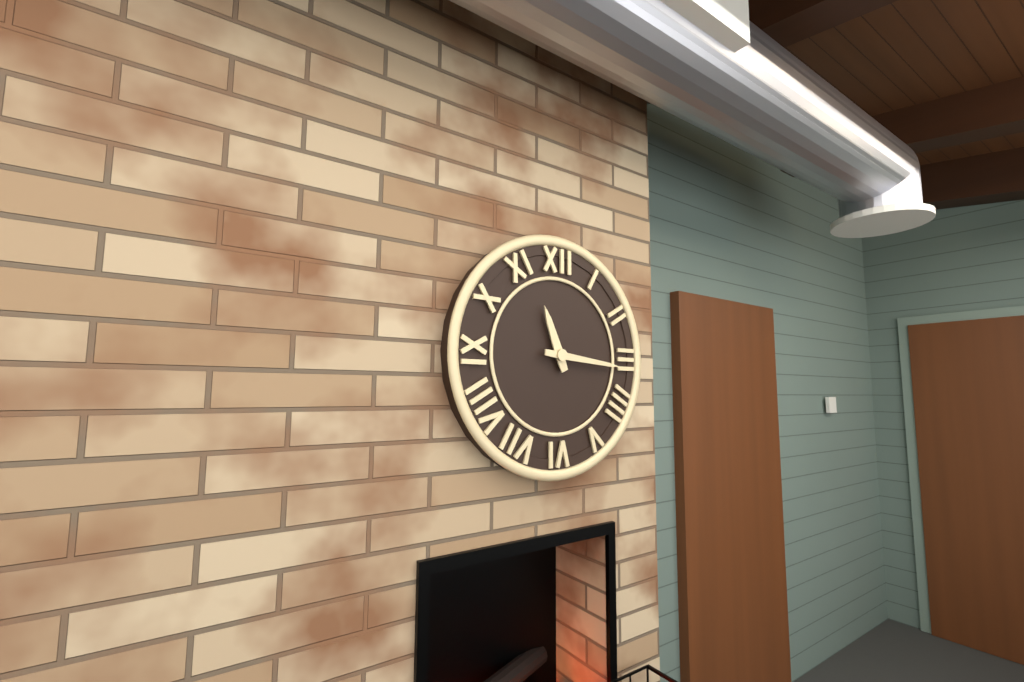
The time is 11h16
